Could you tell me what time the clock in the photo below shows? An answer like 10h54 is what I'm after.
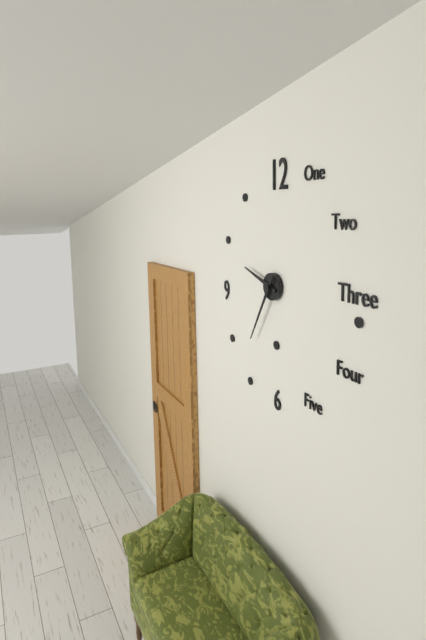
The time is 9h35
